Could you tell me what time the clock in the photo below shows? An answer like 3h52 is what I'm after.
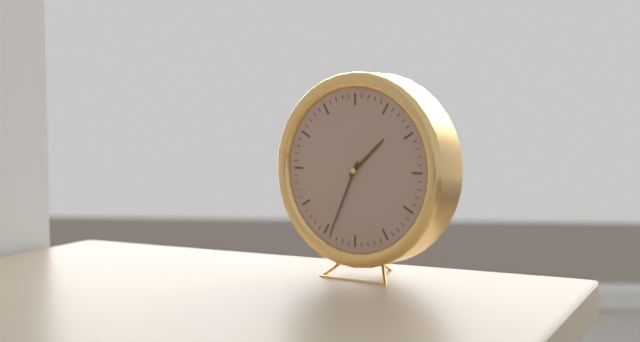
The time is 1h34
